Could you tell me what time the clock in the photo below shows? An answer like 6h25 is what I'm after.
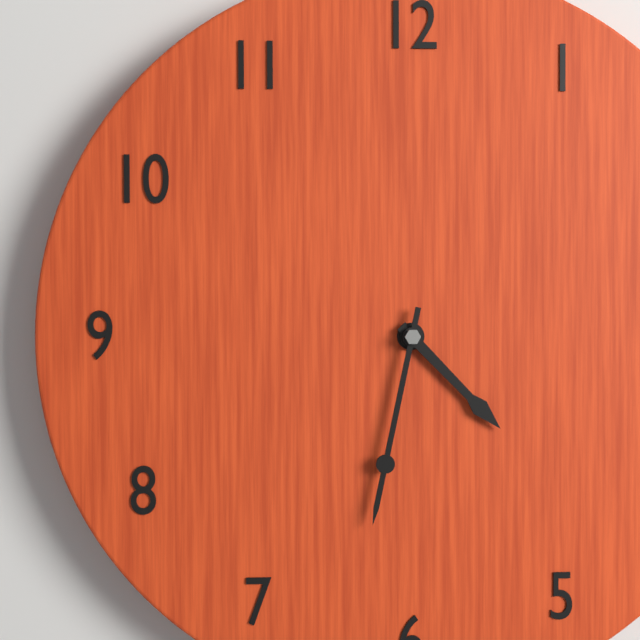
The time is 4h32
